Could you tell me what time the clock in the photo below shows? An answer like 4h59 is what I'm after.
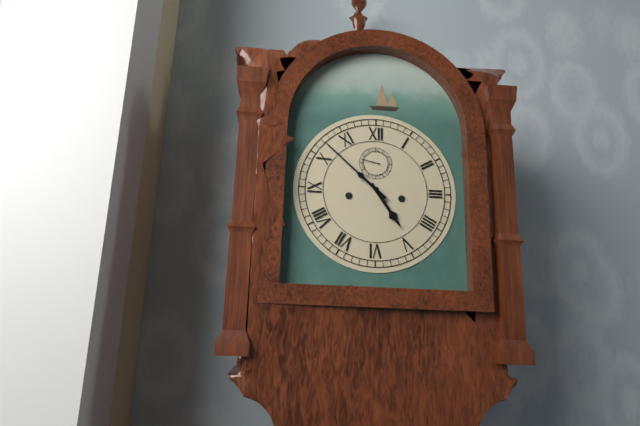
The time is 4h52
